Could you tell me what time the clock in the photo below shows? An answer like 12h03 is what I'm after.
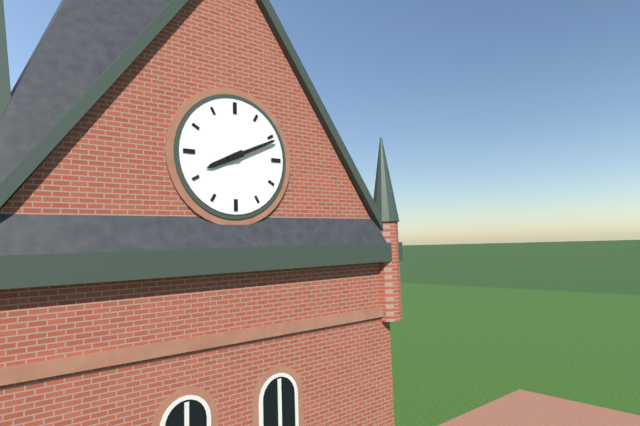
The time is 8h11
